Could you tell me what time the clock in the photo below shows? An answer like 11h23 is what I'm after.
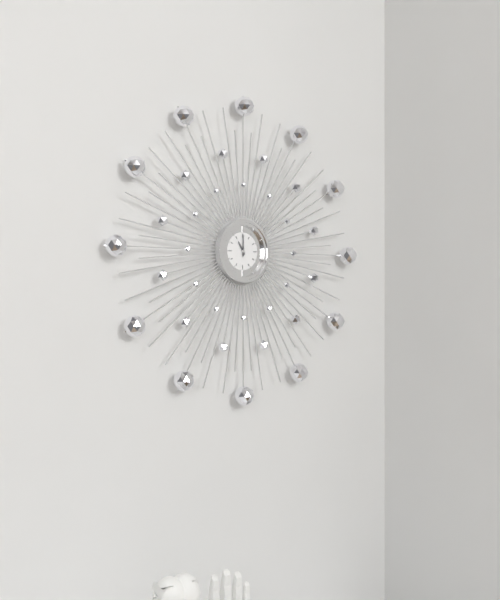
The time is 11h00
